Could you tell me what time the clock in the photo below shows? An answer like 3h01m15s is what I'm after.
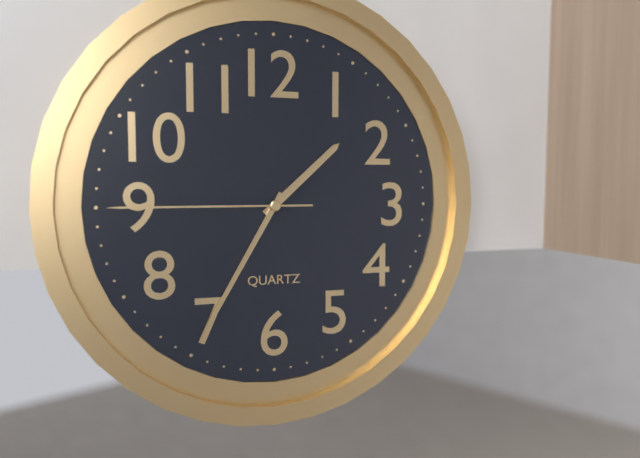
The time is 1h35m45s
